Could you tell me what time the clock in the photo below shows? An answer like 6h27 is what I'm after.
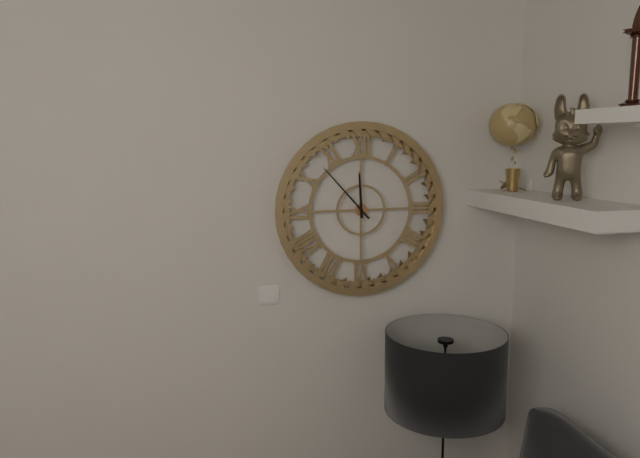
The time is 11h53
